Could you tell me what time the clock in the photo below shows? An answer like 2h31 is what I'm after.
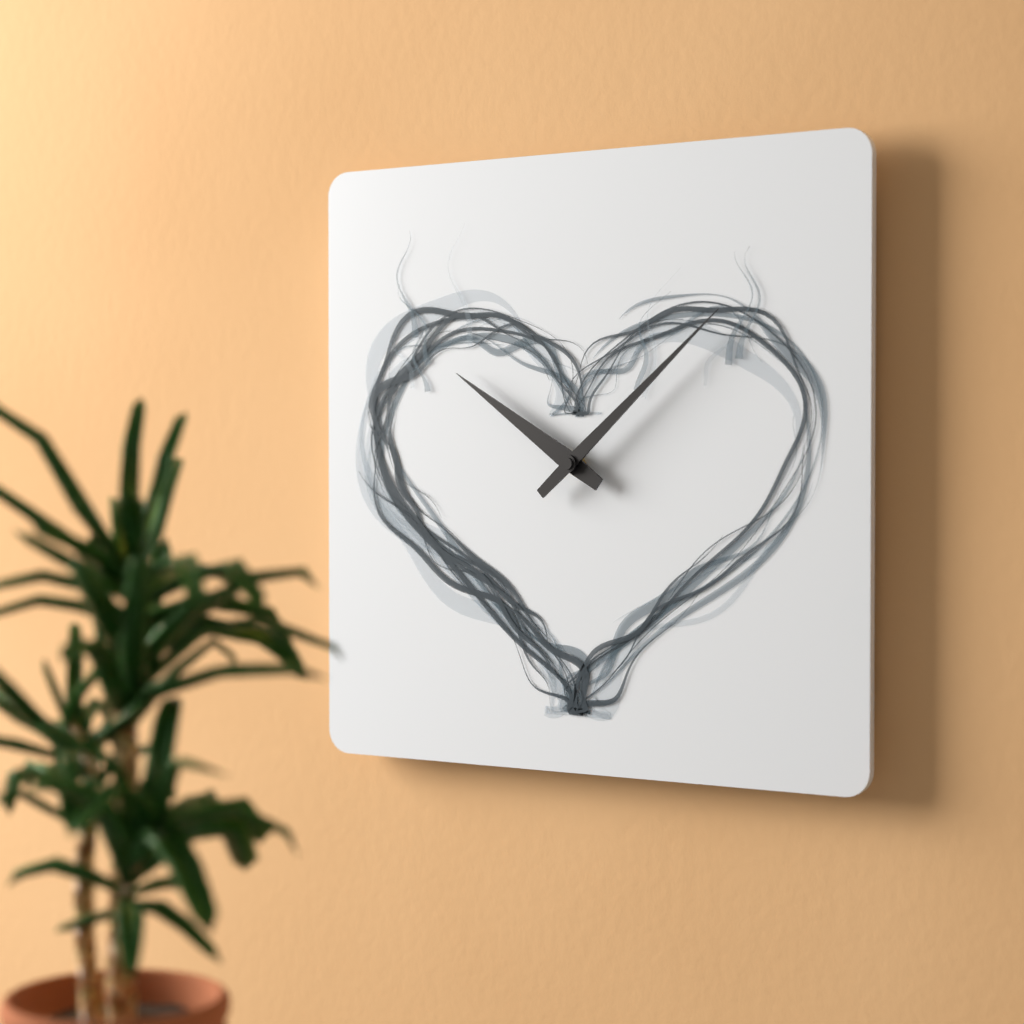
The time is 10h08
